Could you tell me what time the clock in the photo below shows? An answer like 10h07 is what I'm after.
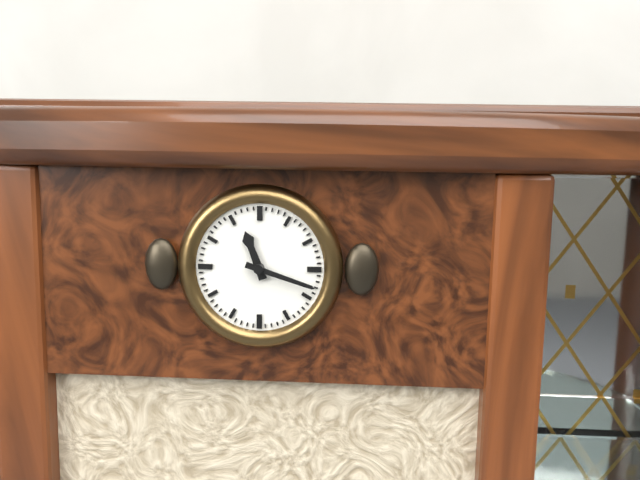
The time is 11h18
